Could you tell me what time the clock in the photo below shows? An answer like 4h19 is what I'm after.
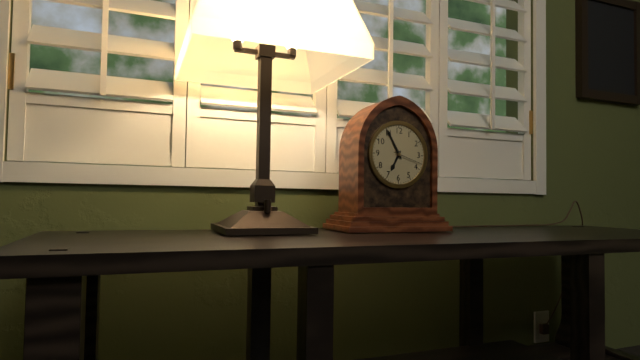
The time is 6h55
